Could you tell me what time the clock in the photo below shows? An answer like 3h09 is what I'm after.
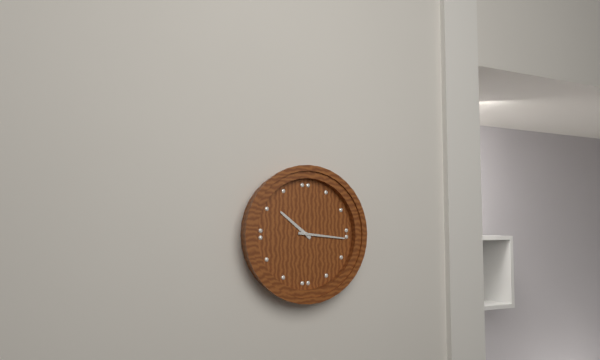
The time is 10h16
